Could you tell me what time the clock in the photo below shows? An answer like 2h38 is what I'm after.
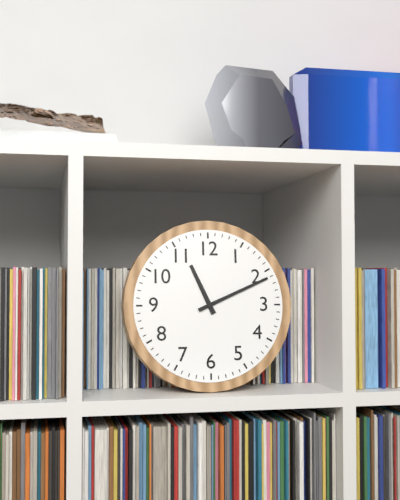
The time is 11h11
